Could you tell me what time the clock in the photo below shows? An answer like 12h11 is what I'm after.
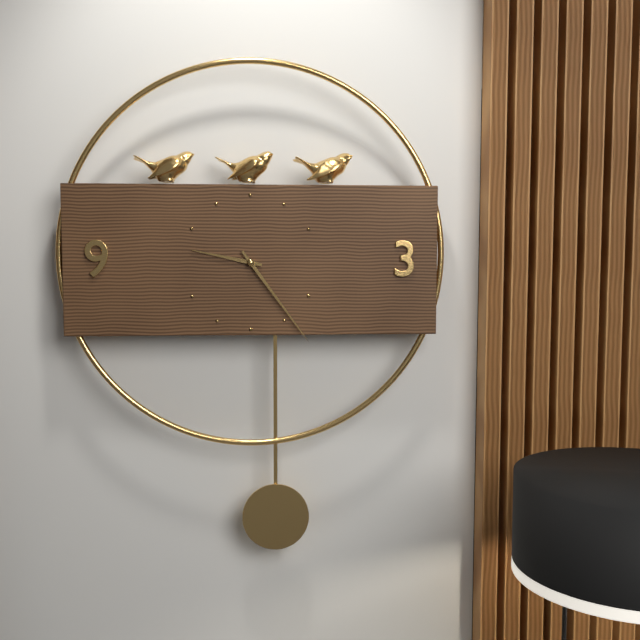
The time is 9h24
